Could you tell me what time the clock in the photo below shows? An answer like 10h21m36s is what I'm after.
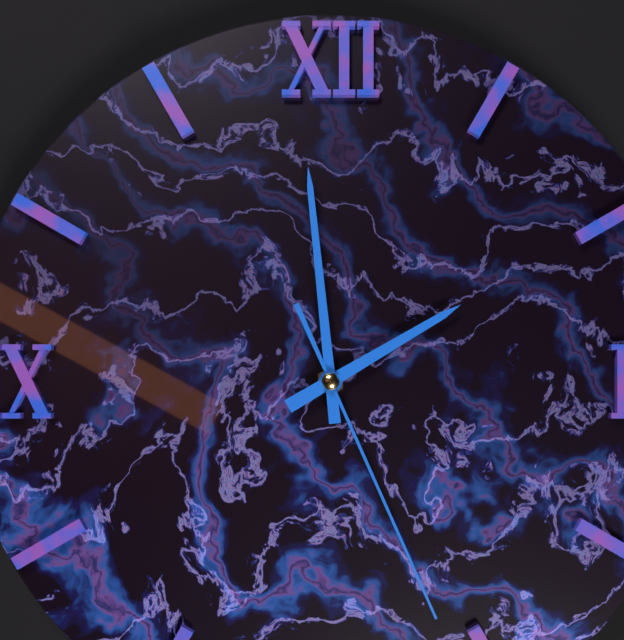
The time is 1h59m26s
